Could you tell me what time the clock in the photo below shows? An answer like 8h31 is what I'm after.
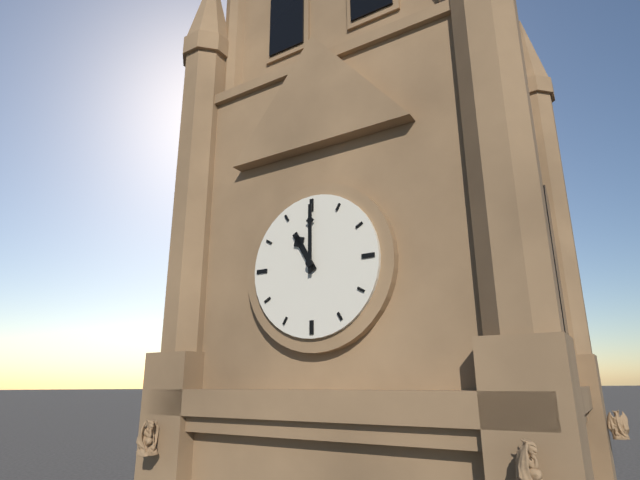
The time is 11h00
